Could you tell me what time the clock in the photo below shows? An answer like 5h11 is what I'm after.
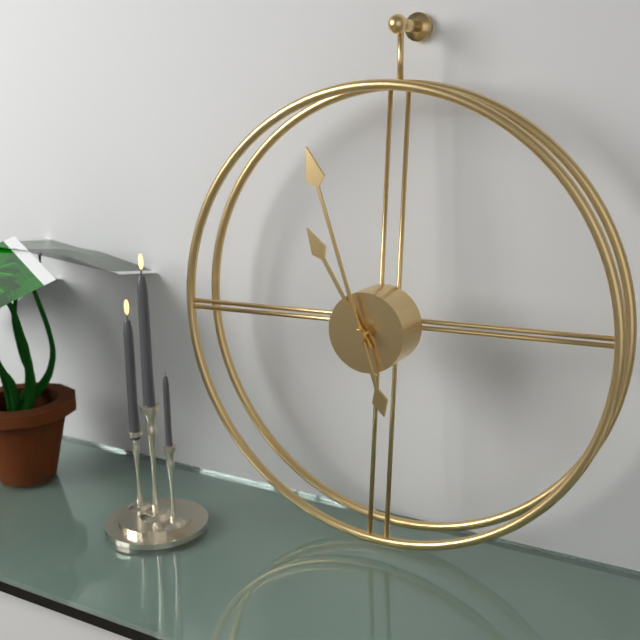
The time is 10h57
